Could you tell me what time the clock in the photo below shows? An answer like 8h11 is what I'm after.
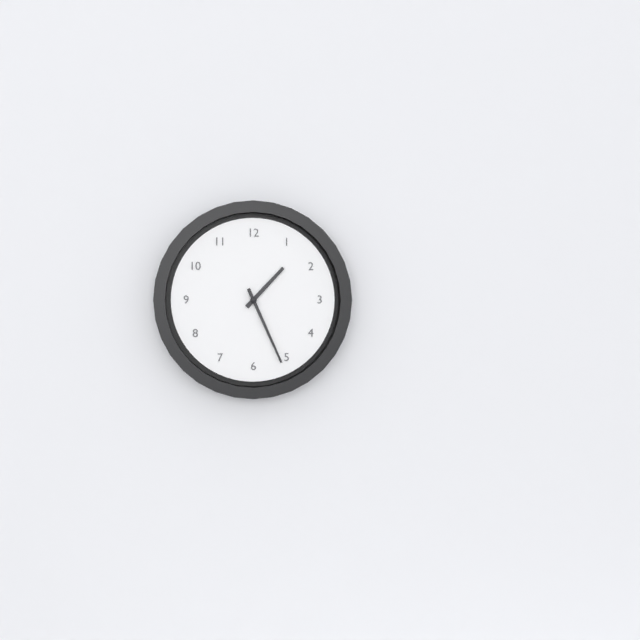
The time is 1h26
